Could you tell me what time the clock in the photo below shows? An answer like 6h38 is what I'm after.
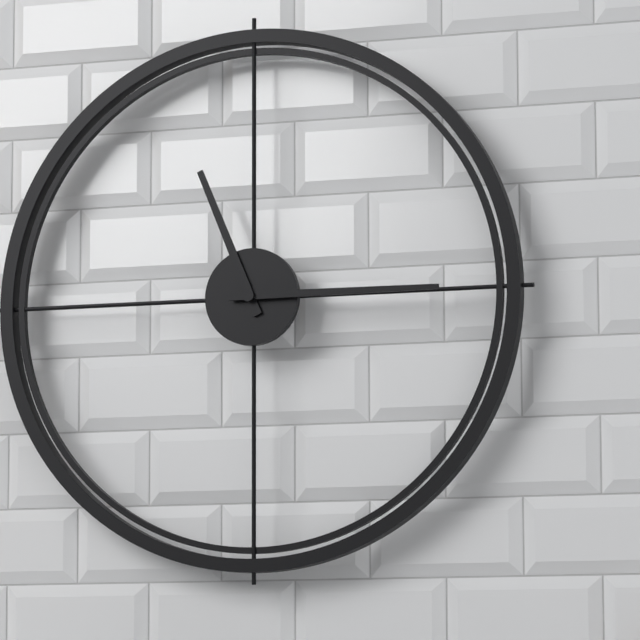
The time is 11h15
